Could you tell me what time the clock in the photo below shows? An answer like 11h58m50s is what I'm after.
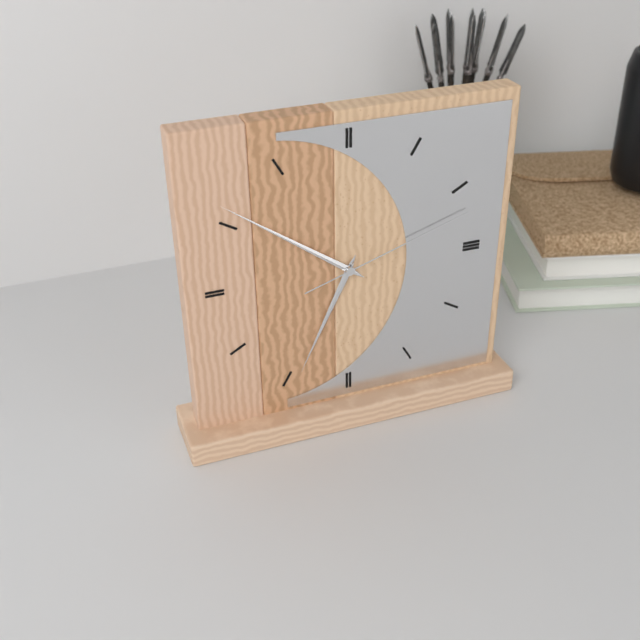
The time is 6h51m12s
